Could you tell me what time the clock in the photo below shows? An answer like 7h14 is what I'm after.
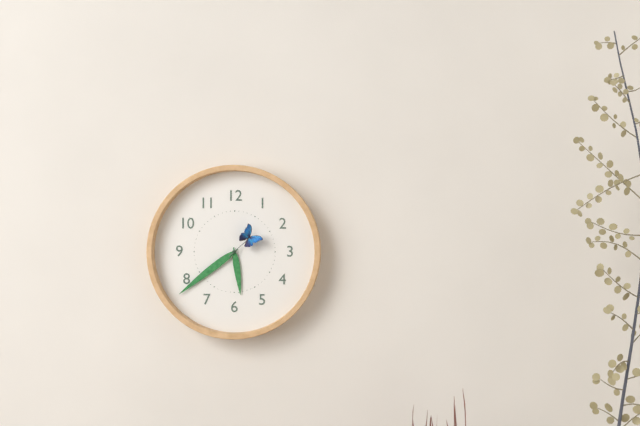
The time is 5h39
